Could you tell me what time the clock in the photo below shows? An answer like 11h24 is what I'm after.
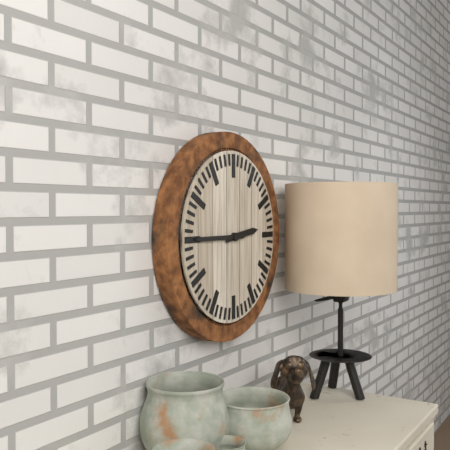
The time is 2h45
